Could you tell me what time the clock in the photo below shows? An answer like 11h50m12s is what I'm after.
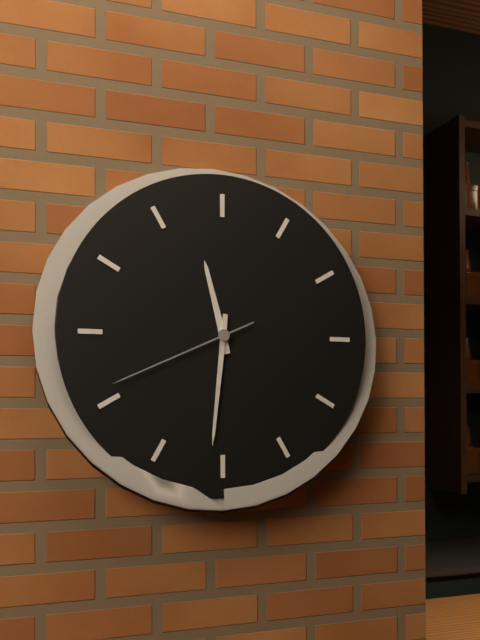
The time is 11h31m41s
